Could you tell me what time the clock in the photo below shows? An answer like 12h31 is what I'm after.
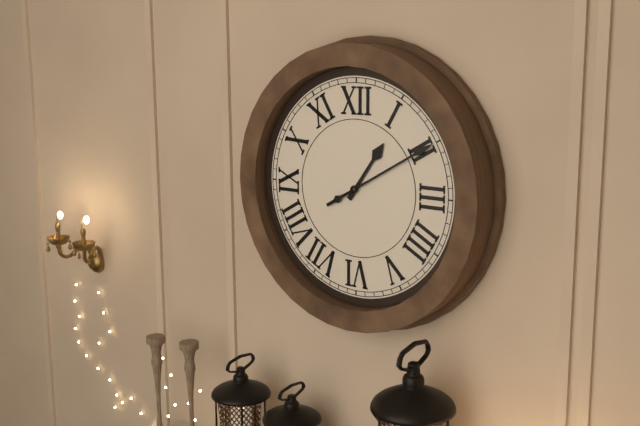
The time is 1h10
